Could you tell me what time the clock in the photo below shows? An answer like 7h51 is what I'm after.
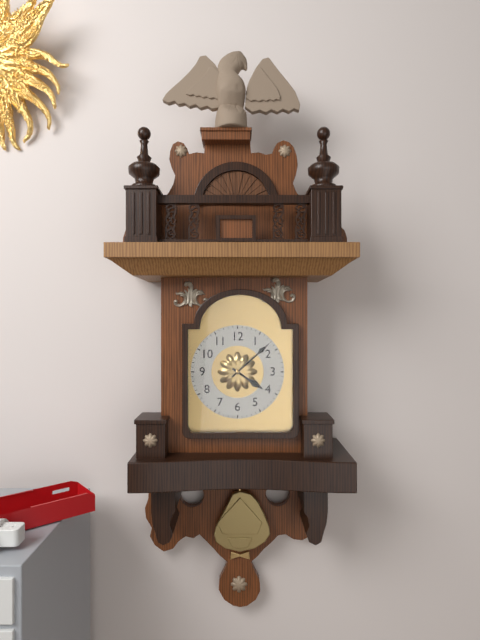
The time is 4h08
